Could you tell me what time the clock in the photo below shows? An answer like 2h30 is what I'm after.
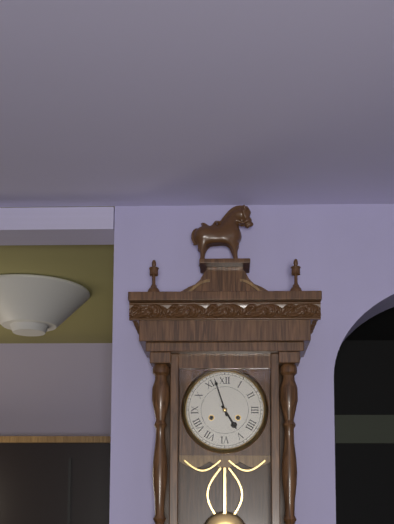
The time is 4h57
